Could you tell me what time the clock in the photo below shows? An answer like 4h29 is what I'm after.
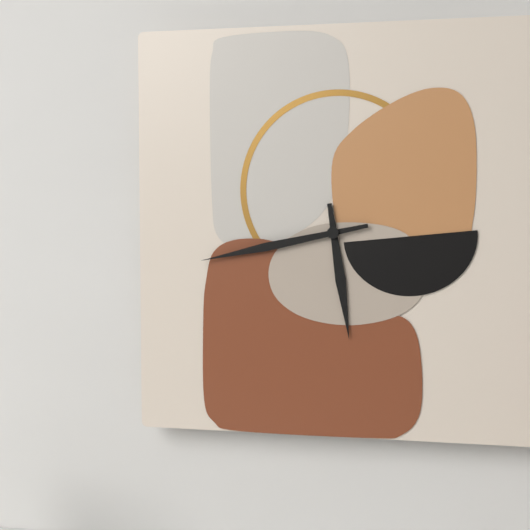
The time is 5h43
